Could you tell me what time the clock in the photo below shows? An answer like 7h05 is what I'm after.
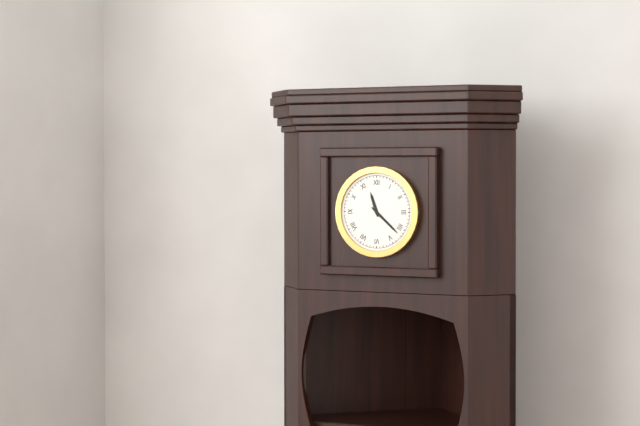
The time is 11h22
